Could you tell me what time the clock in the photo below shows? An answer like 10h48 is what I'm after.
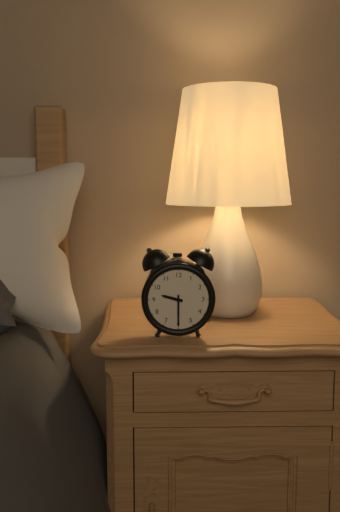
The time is 9h30
